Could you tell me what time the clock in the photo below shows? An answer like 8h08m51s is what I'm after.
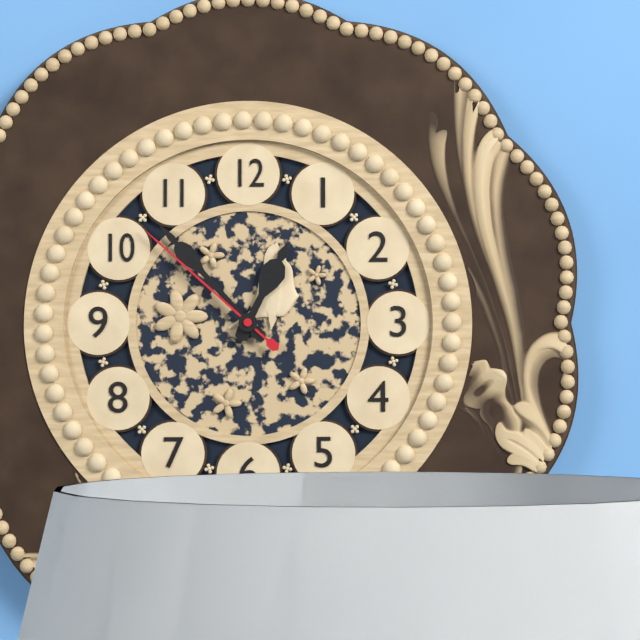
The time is 12h53m52s
